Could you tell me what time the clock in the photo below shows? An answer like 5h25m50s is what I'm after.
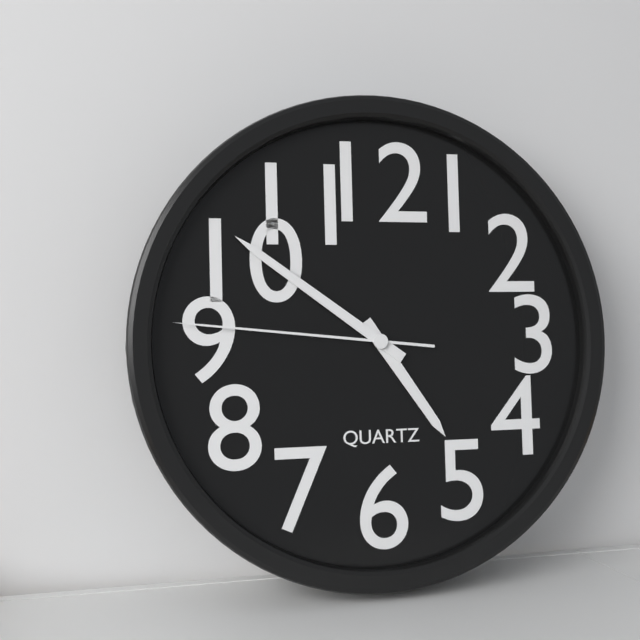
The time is 4h51m46s
